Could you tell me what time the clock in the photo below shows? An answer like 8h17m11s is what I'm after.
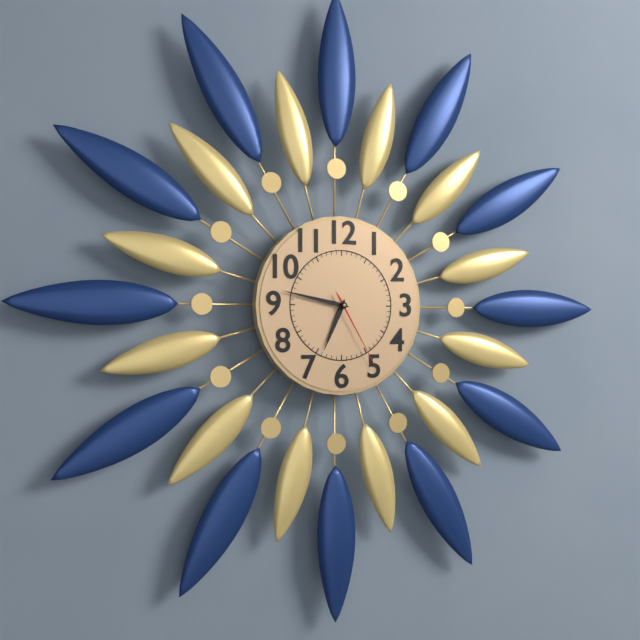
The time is 6h47m25s
